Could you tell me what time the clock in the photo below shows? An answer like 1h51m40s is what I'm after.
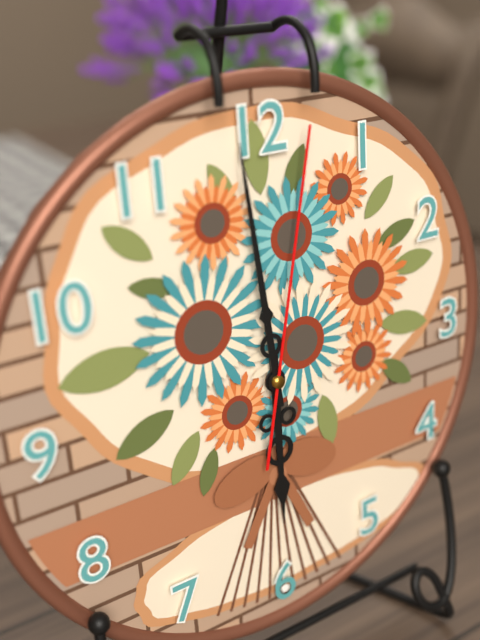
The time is 5h59m02s
